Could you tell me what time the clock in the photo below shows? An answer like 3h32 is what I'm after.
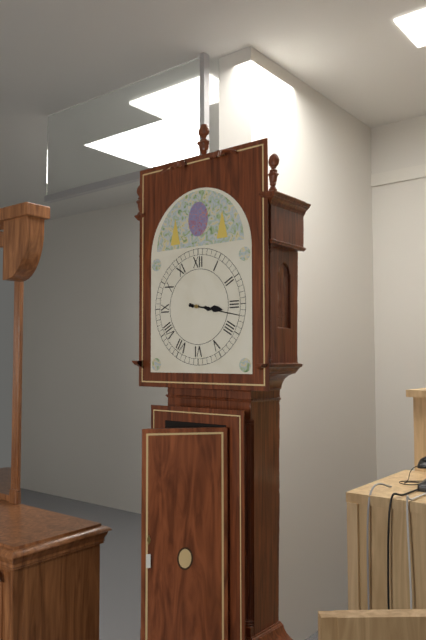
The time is 3h17
